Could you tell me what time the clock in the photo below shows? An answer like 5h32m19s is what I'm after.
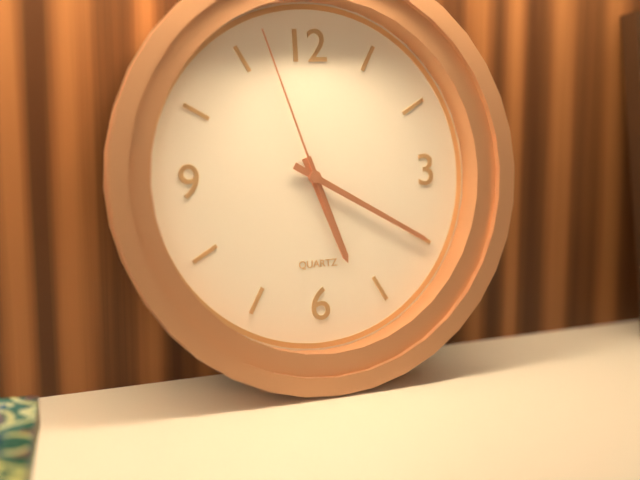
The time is 5h20m57s
